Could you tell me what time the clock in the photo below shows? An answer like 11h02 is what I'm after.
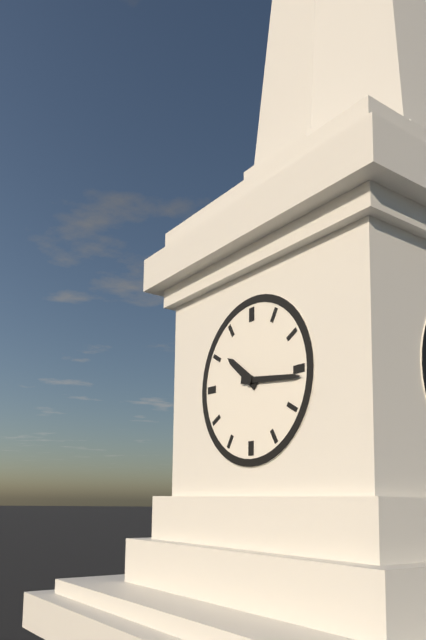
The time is 10h16
